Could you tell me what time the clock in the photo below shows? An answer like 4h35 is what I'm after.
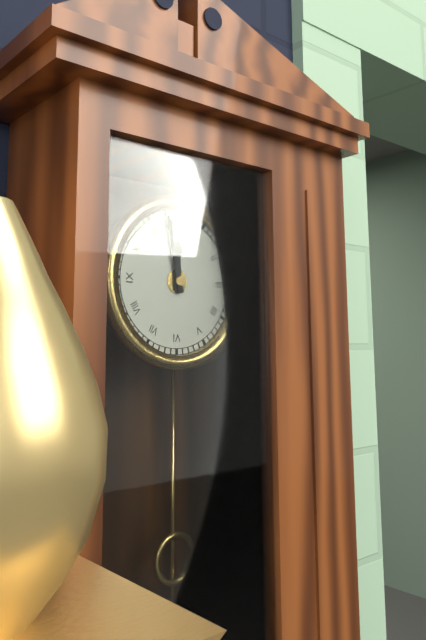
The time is 11h58
